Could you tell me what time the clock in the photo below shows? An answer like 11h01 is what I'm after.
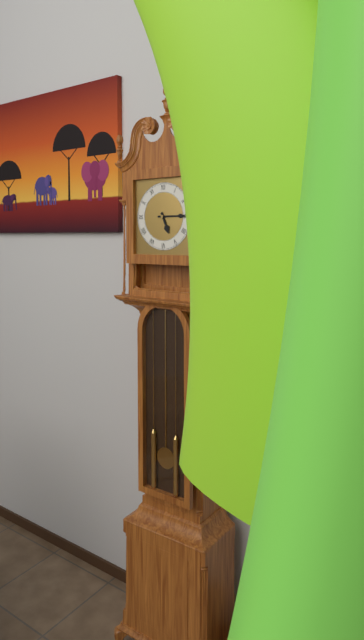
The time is 5h15
